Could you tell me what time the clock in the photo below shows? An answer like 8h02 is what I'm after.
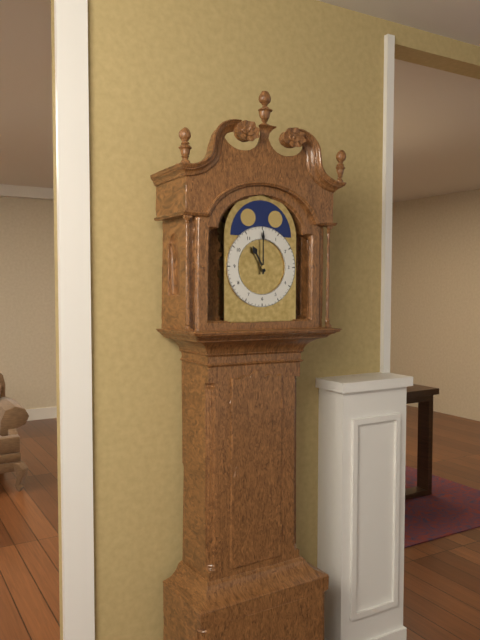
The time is 11h00
